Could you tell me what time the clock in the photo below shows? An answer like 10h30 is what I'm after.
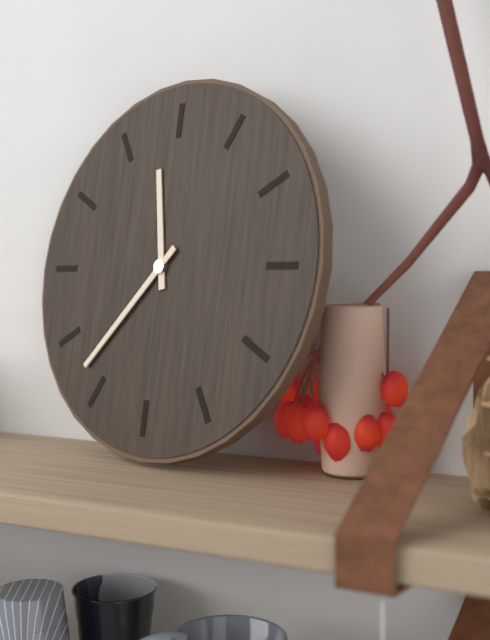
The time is 11h37
